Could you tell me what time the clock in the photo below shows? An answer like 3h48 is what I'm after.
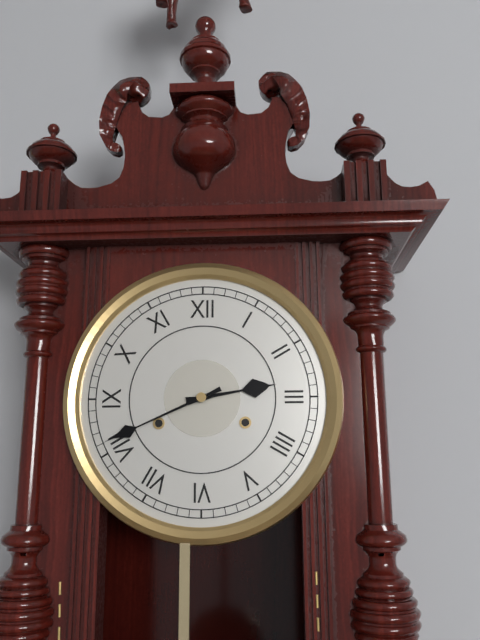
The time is 2h41
